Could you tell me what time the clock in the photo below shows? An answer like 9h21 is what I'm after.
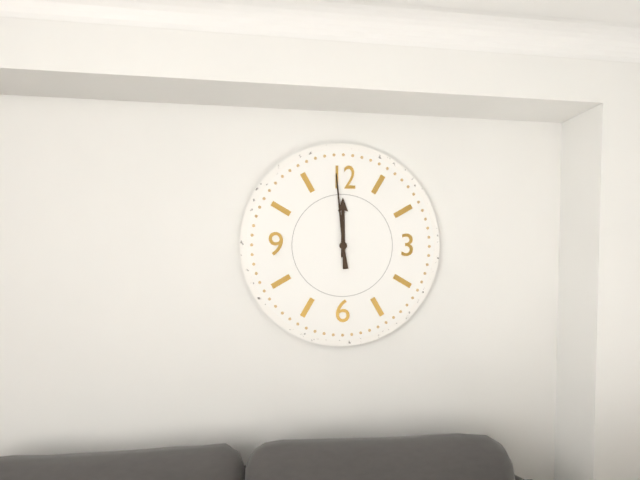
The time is 11h59
